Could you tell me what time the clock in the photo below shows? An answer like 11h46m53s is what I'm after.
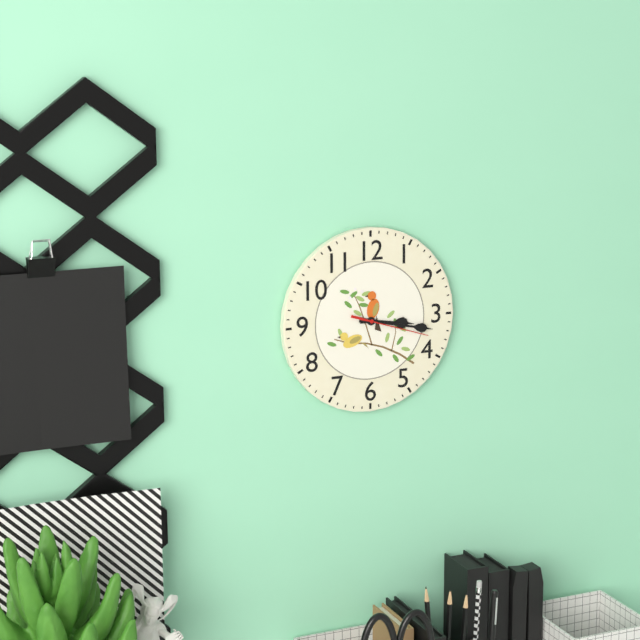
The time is 3h17m18s
